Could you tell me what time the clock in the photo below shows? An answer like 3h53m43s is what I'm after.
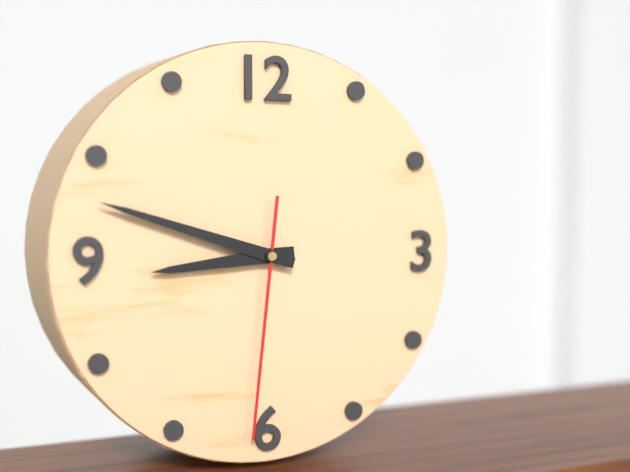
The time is 8h48m31s
